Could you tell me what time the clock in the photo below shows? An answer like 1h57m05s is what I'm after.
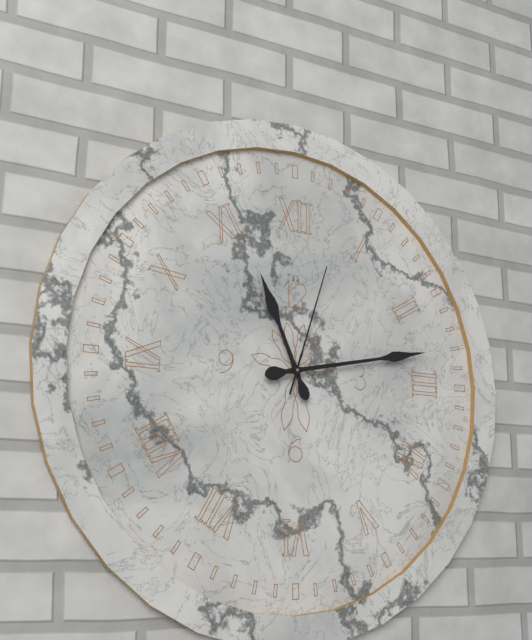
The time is 11h13m03s
